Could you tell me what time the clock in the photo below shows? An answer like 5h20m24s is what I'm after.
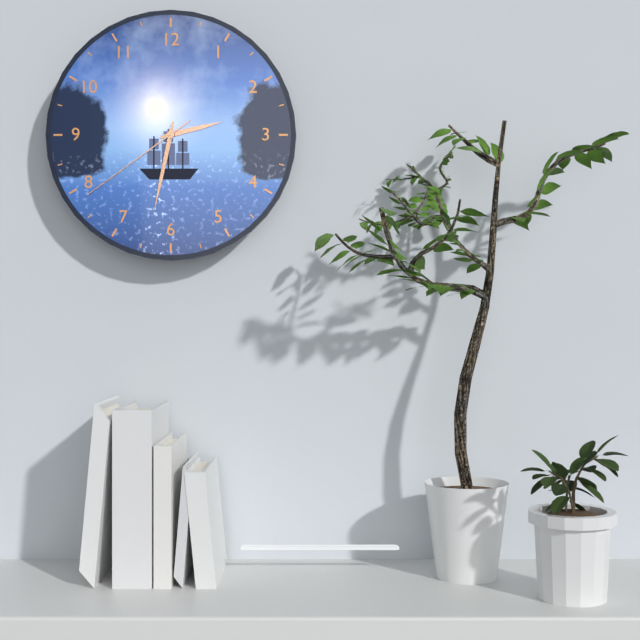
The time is 2h32m39s
